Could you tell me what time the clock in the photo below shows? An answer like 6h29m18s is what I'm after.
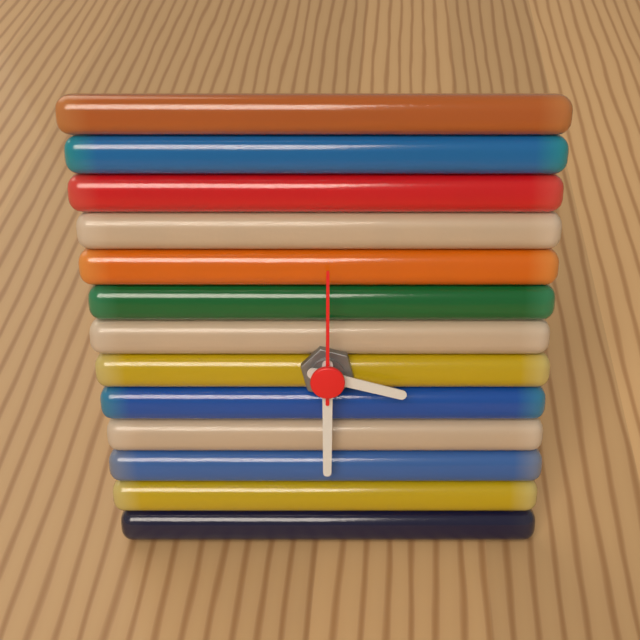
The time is 3h30m00s
